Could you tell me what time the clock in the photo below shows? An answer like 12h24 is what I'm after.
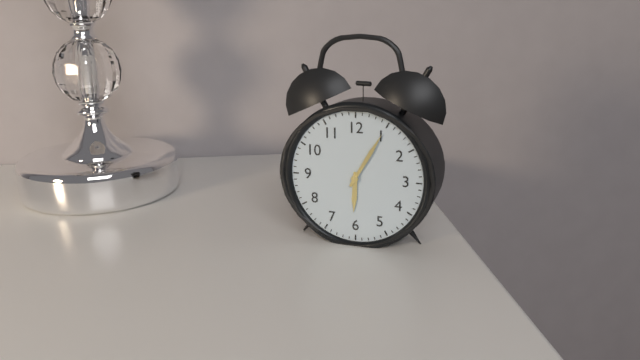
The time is 6h05
